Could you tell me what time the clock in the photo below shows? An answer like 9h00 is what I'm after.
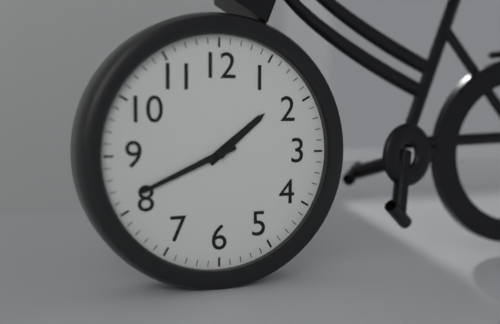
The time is 1h41
